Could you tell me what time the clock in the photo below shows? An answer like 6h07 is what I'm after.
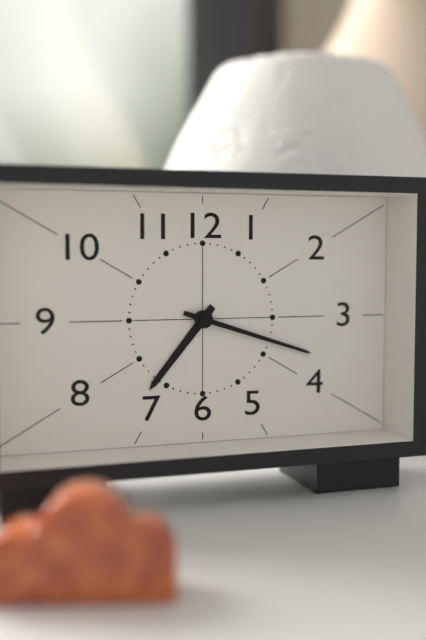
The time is 7h18
